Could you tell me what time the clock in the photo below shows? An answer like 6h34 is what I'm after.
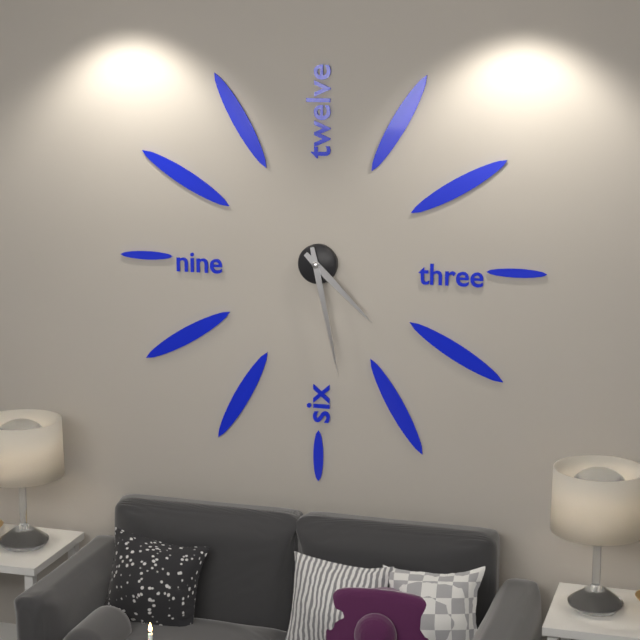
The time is 4h28
